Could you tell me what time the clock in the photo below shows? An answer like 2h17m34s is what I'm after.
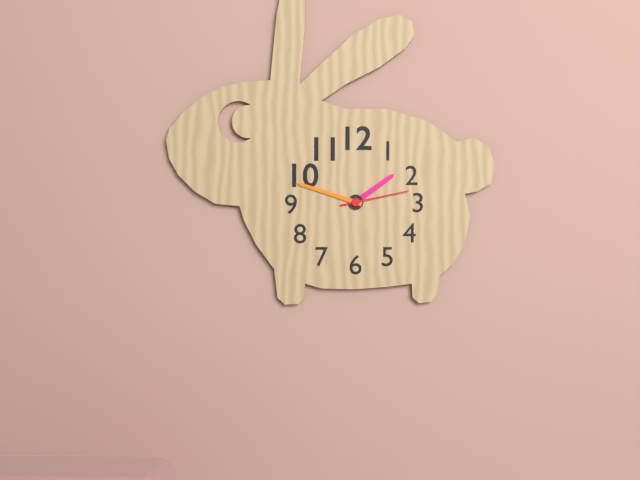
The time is 1h48m13s
